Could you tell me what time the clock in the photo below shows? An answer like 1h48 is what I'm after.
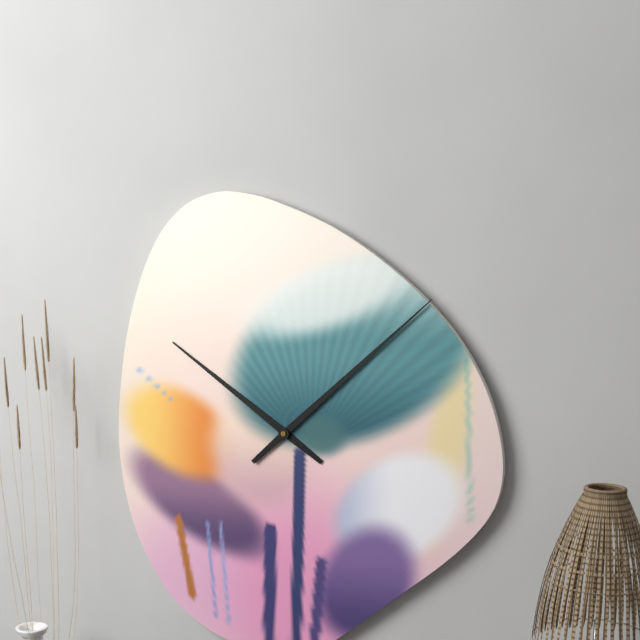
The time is 10h08
